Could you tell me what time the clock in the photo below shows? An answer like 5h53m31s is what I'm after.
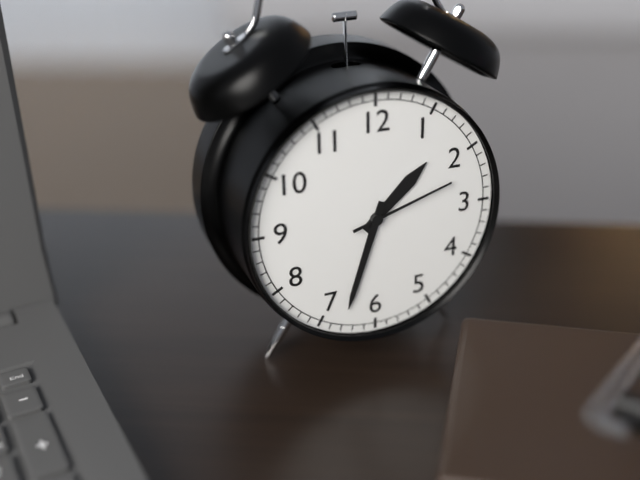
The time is 1h33m12s
